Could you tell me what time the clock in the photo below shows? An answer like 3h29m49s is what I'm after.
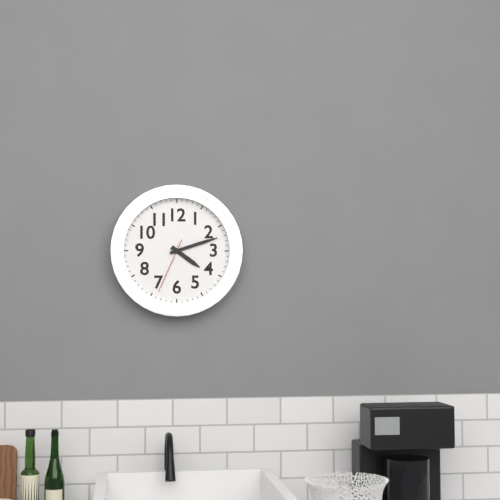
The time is 4h12m34s
